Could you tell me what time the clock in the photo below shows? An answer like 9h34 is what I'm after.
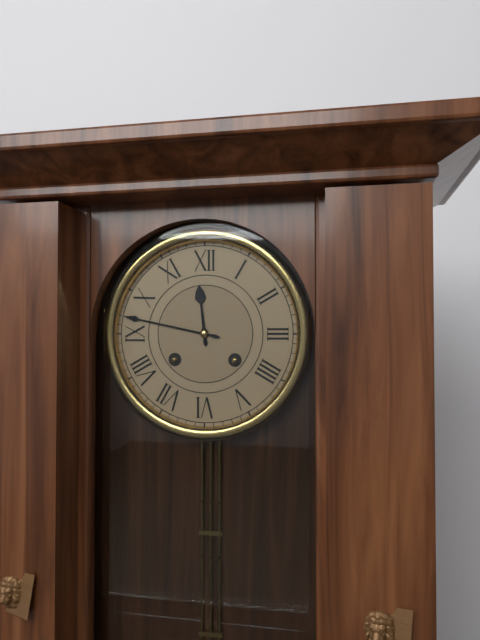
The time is 11h47
